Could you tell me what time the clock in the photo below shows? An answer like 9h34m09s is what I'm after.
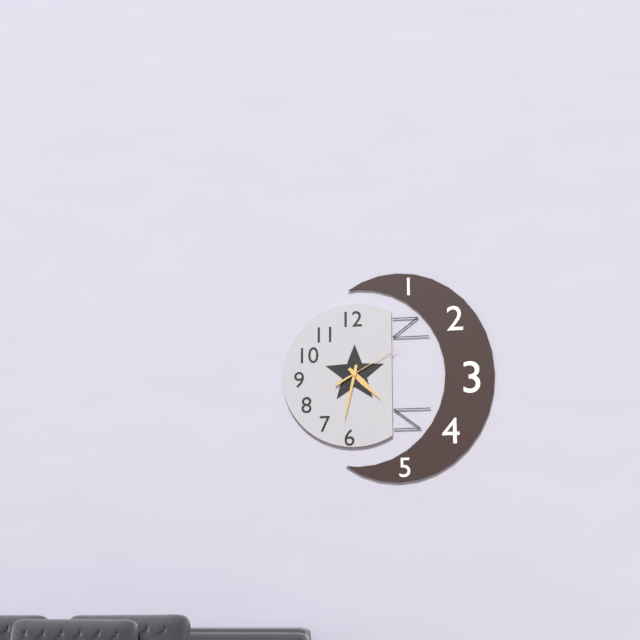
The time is 4h32m10s
